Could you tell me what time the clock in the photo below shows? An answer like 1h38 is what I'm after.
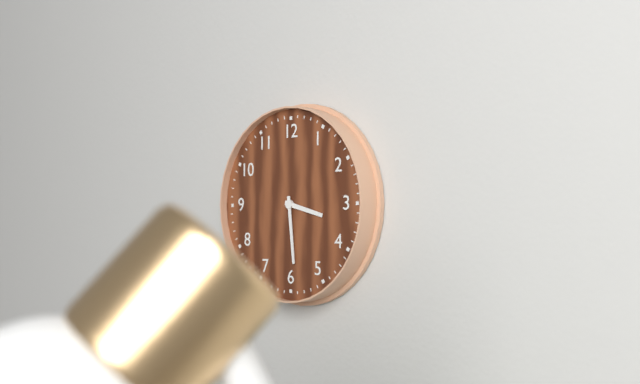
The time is 3h29
